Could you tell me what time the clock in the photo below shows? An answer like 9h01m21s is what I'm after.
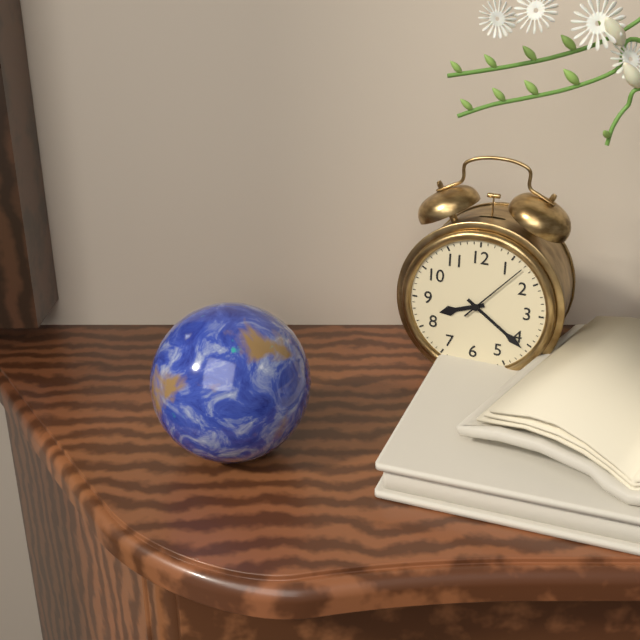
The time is 8h21m07s
